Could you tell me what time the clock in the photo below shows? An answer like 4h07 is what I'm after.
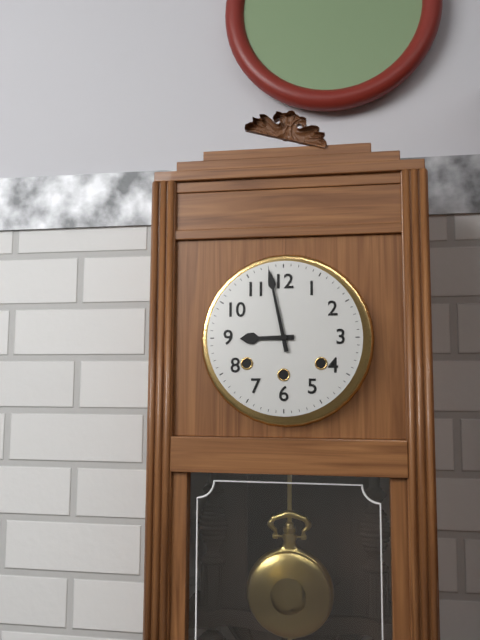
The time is 8h58
